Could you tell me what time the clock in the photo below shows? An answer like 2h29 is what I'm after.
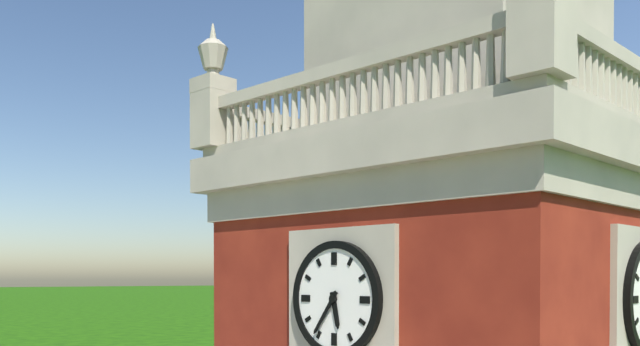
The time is 5h36
